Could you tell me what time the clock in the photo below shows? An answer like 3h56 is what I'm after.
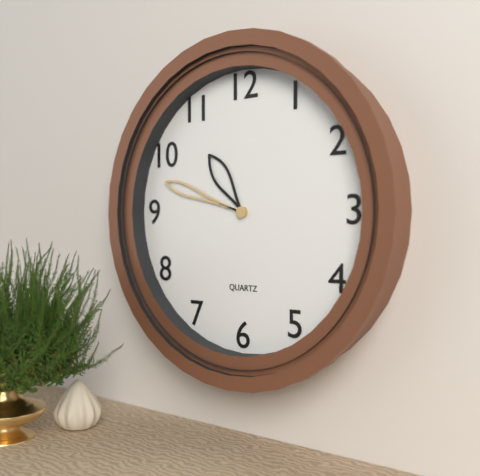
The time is 10h48
